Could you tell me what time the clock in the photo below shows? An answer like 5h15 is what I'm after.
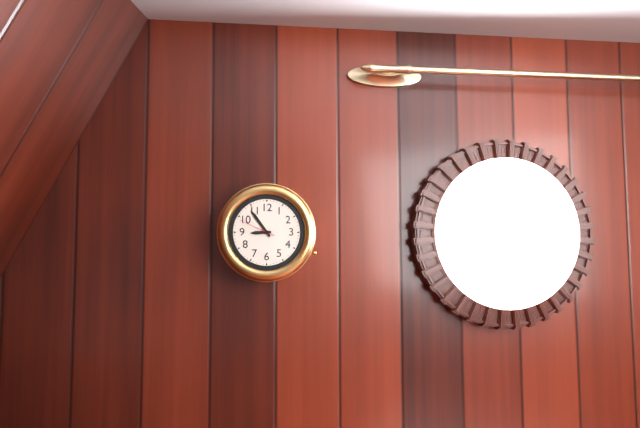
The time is 8h54
